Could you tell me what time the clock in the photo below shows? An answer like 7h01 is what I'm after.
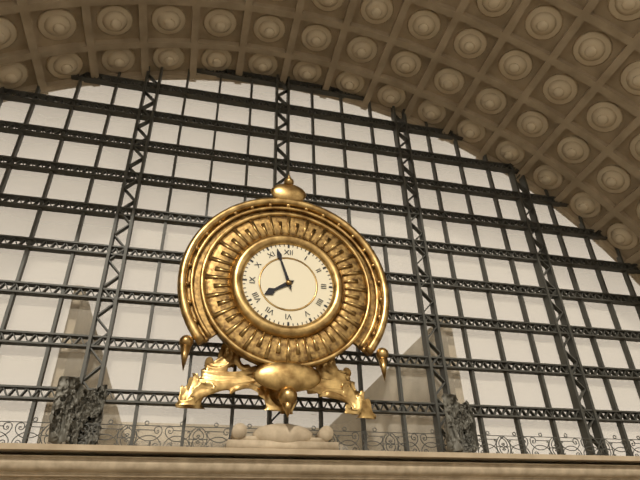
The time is 7h57
